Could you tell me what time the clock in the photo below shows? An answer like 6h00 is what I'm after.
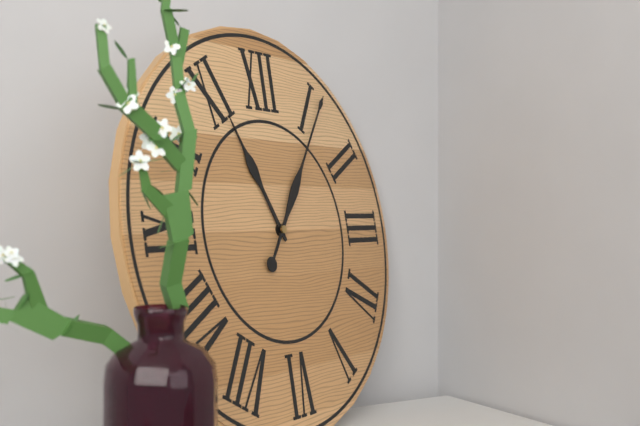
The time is 11h06
